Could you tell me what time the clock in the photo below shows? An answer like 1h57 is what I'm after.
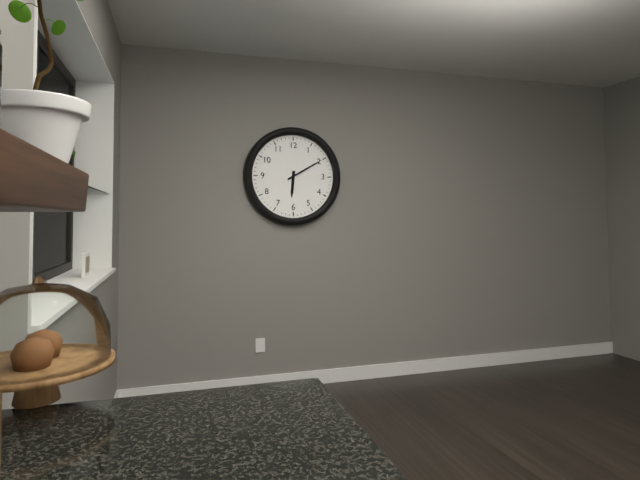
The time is 6h10
